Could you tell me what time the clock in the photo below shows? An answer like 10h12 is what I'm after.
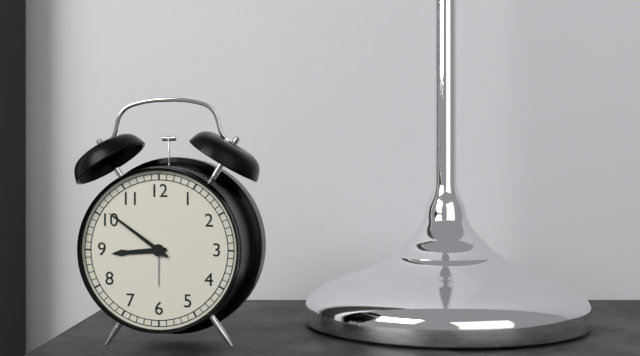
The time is 8h51
